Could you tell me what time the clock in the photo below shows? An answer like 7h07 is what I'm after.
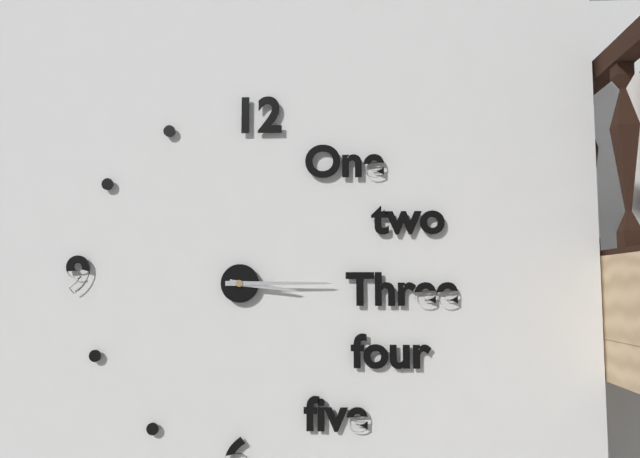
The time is 3h15
